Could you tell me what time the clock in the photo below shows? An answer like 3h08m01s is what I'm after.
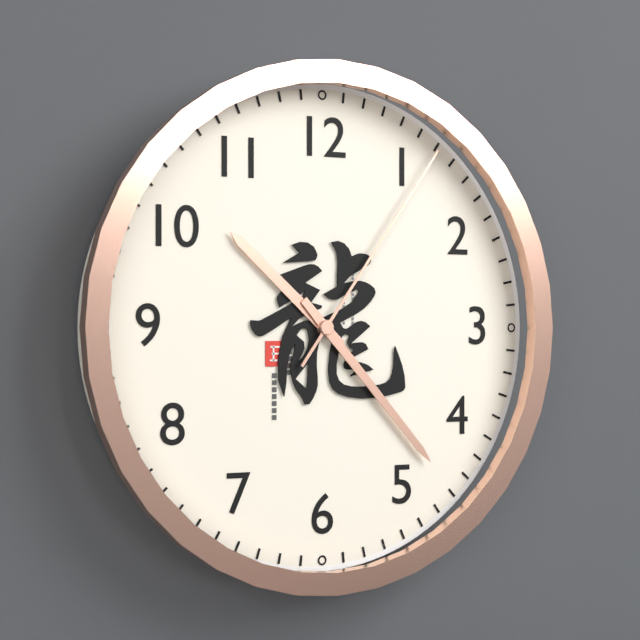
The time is 10h23m06s
